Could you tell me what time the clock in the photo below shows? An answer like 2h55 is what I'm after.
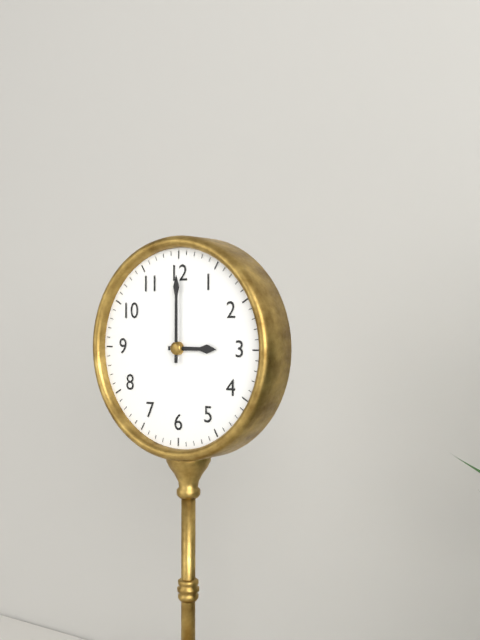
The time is 3h00
